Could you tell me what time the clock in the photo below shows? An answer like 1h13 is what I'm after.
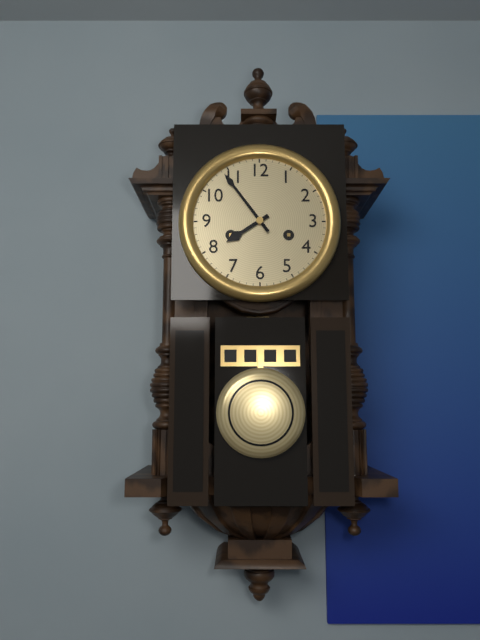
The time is 7h54
